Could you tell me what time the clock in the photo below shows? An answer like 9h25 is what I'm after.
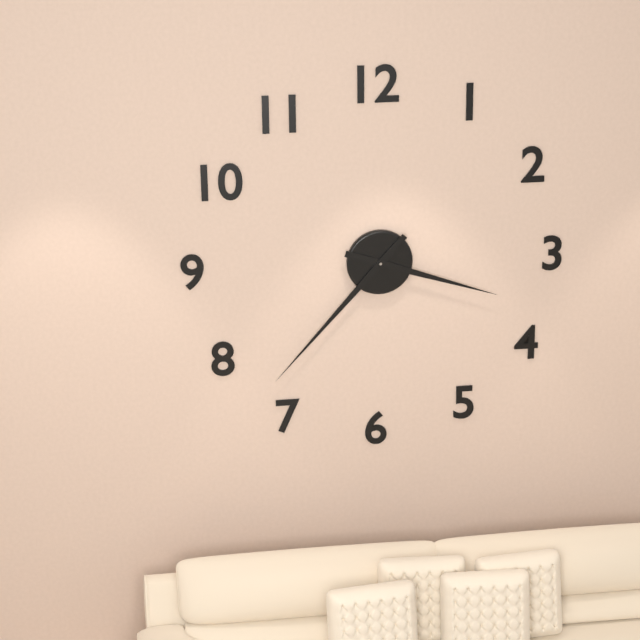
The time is 3h37
